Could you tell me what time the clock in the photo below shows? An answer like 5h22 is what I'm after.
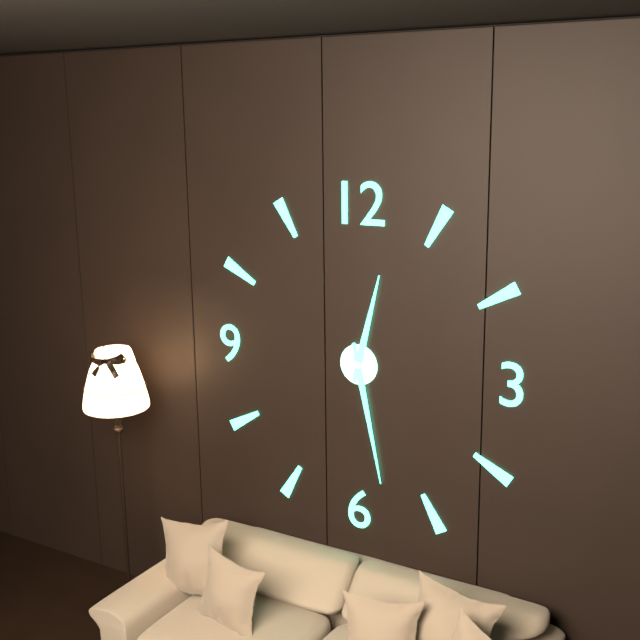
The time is 12h28
